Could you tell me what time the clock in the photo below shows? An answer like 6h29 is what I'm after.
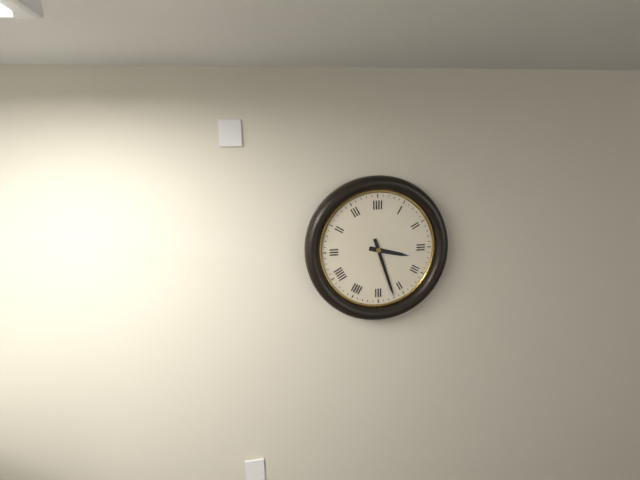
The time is 3h27
